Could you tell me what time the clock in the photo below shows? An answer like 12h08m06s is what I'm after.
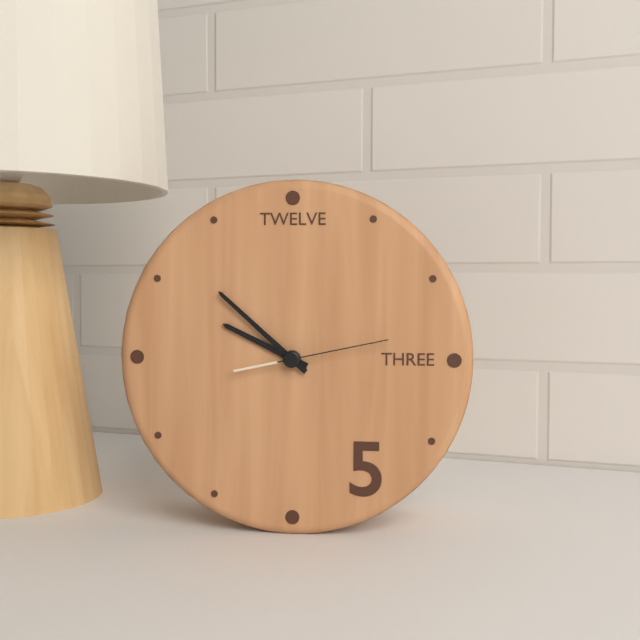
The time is 9h52m13s
